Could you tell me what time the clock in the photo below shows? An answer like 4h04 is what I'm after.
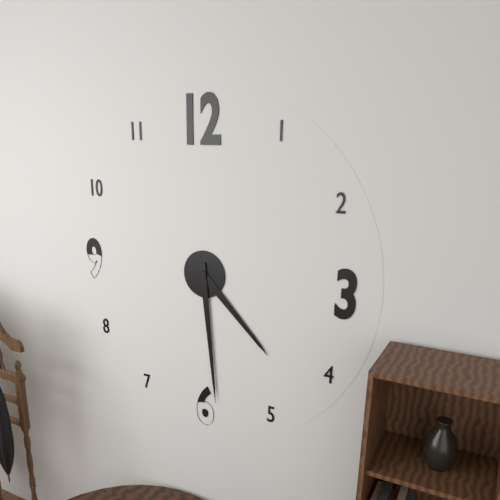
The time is 4h29
